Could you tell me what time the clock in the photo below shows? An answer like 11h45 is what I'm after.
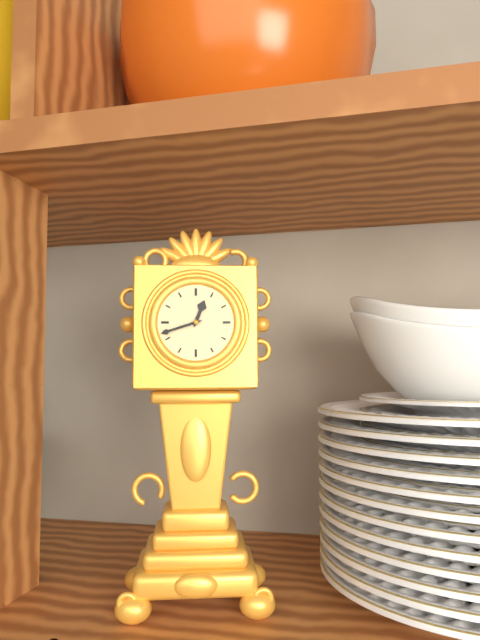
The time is 12h42
